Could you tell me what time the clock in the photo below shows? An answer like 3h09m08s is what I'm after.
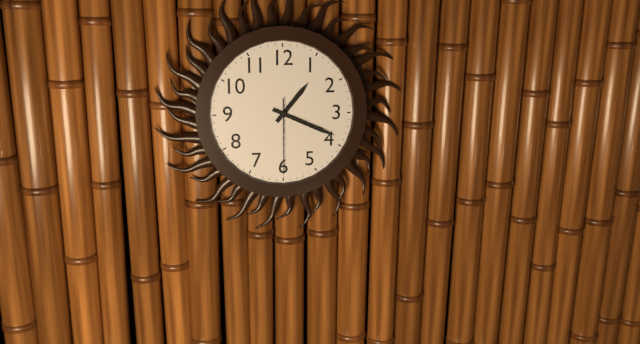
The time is 1h19m30s
